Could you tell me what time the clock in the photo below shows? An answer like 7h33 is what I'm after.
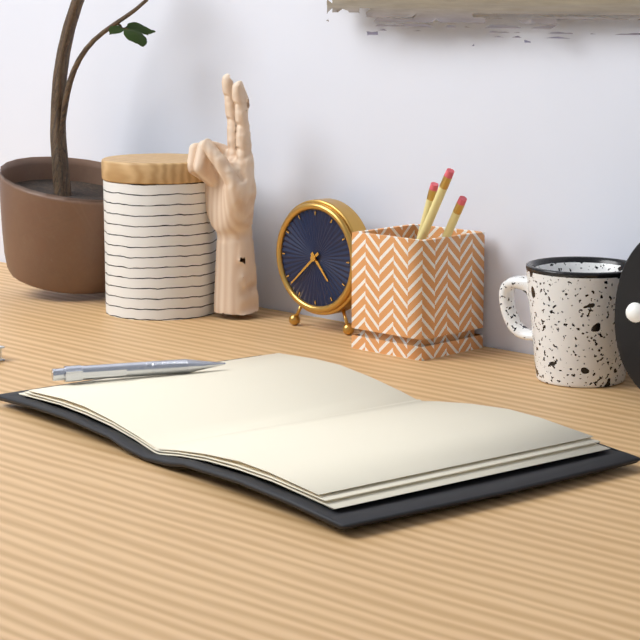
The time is 4h38
